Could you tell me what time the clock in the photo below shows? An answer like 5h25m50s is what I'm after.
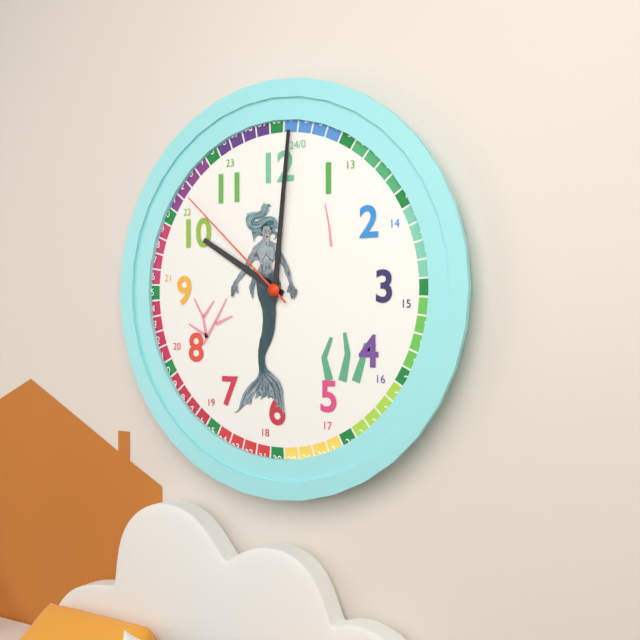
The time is 10h01m52s
